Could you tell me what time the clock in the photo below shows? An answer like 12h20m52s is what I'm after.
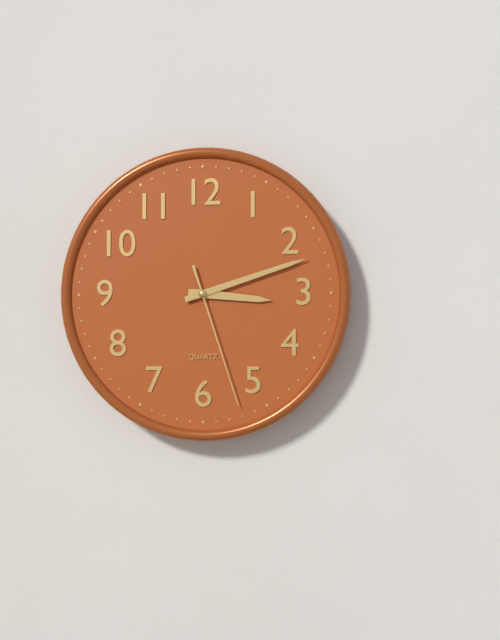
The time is 3h12m27s
